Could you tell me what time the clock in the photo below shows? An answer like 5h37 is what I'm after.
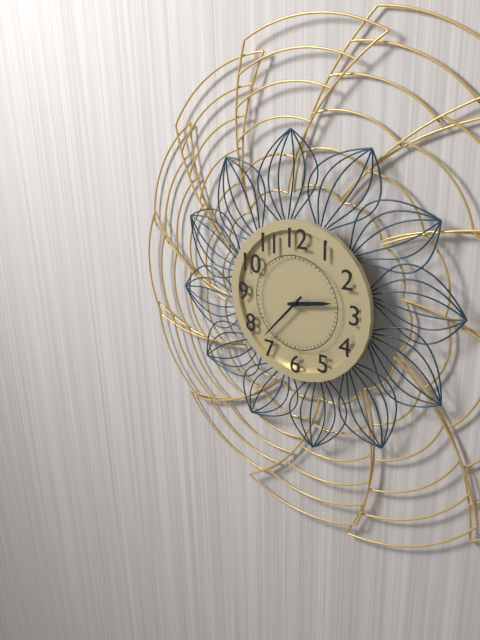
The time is 2h37
